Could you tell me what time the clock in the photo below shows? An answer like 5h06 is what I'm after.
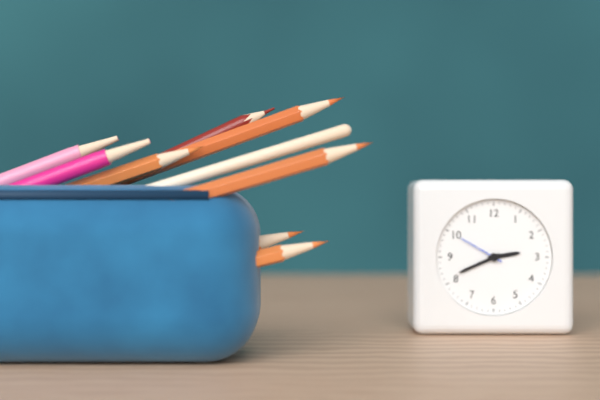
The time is 2h41
